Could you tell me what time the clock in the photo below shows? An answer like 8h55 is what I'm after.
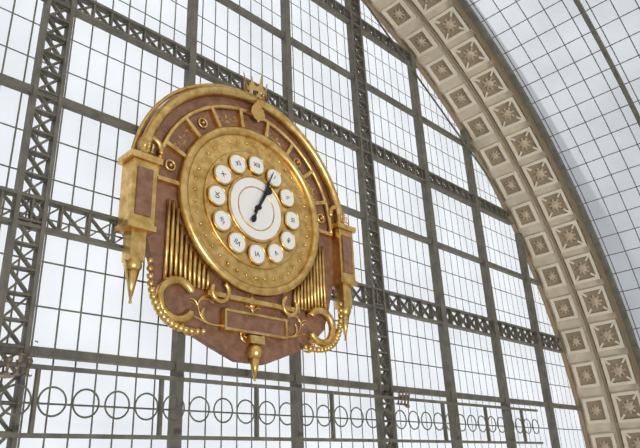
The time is 1h04
